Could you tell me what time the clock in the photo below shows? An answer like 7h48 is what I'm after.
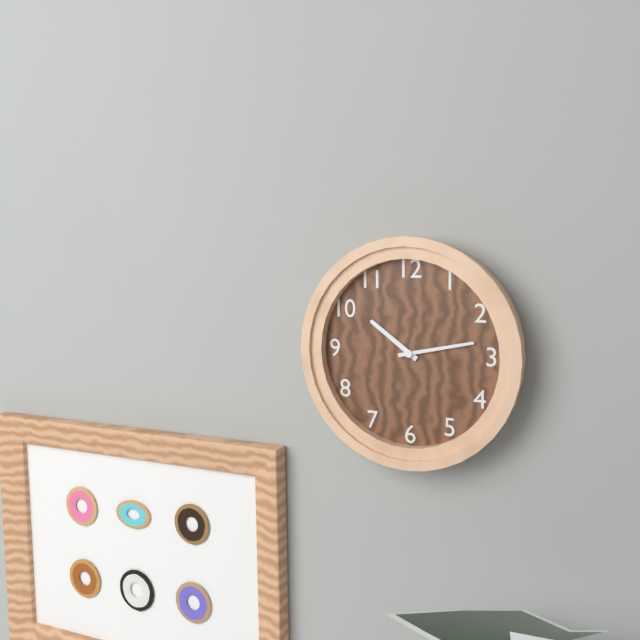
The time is 10h13
